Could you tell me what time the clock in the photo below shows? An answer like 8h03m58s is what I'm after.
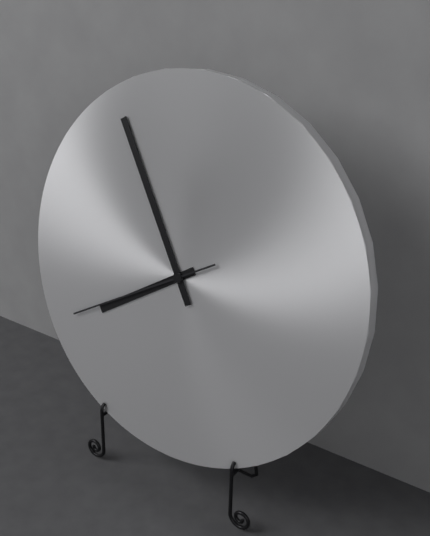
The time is 7h55m40s
